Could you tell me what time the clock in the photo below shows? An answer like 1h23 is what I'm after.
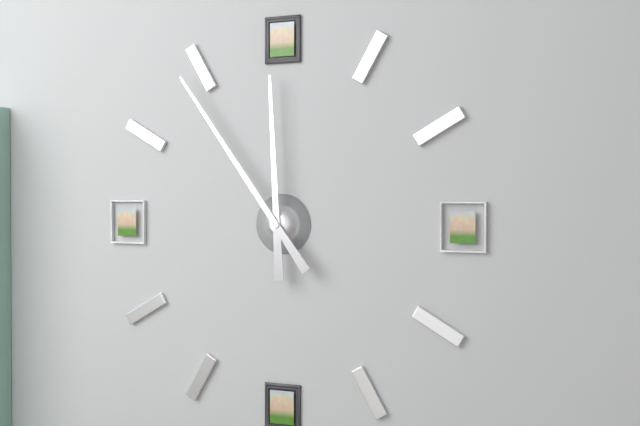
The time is 11h54
